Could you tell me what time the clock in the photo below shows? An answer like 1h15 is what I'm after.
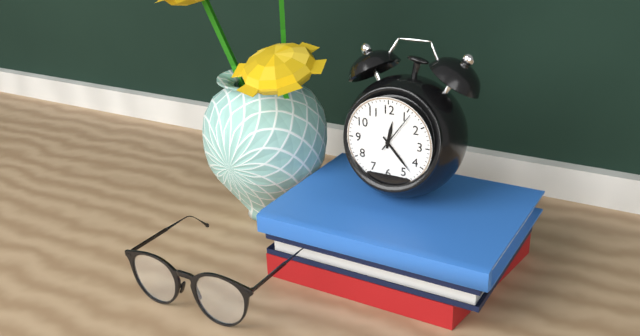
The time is 12h23
